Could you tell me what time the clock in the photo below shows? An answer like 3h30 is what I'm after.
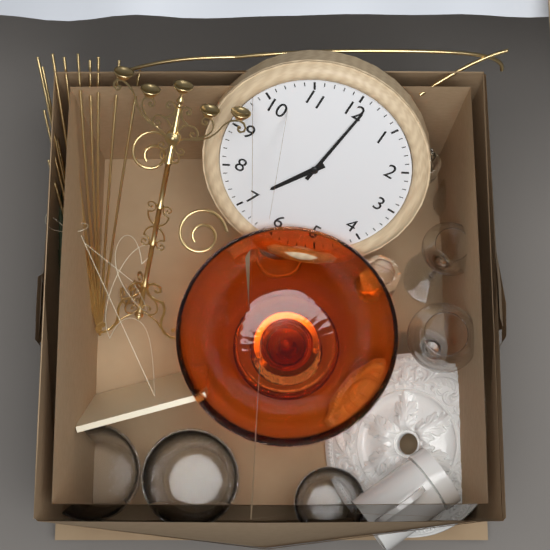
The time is 7h01
